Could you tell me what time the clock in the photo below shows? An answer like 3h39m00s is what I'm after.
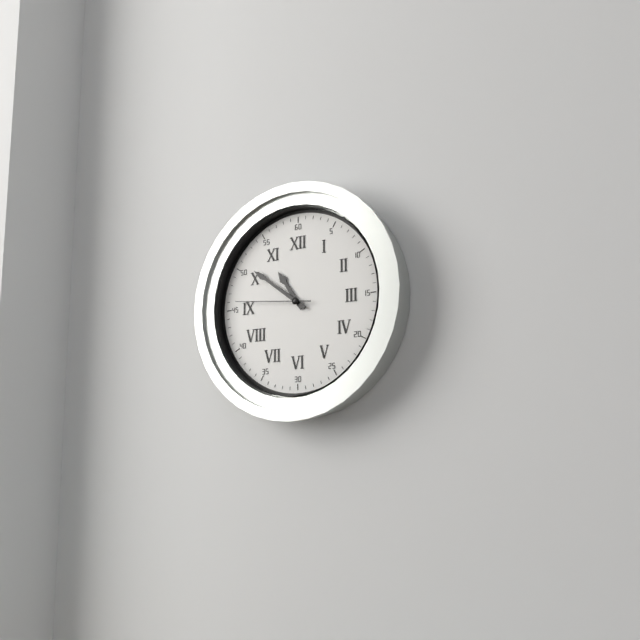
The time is 10h51m46s
